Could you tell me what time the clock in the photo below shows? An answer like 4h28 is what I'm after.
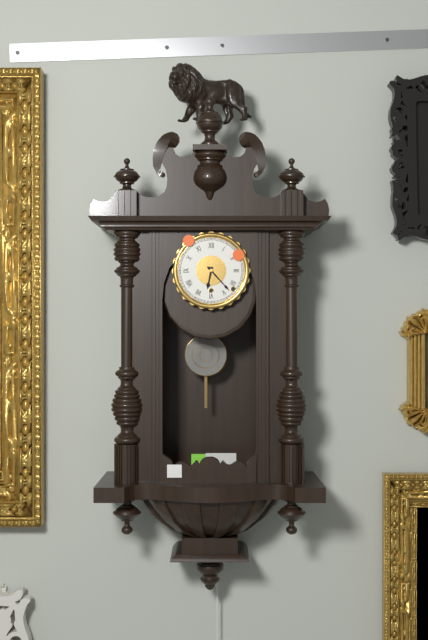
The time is 6h23
